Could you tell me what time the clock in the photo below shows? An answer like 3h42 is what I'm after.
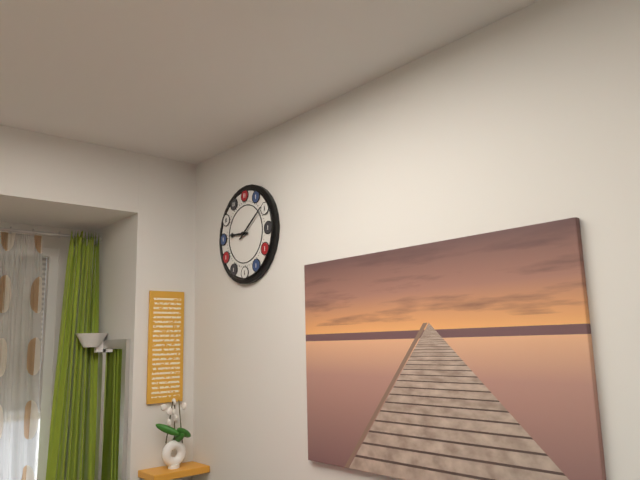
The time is 9h09
